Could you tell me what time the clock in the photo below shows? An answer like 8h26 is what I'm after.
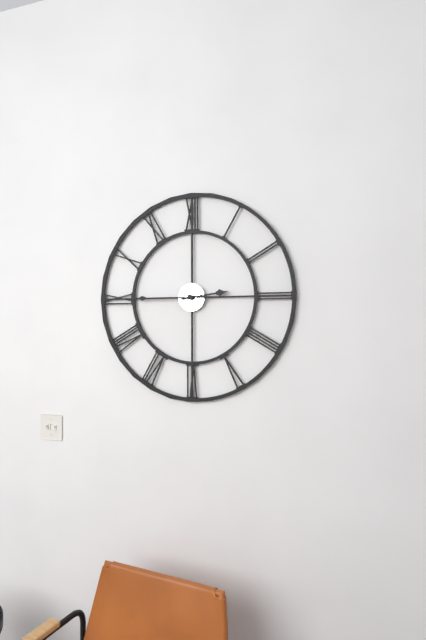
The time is 2h45
